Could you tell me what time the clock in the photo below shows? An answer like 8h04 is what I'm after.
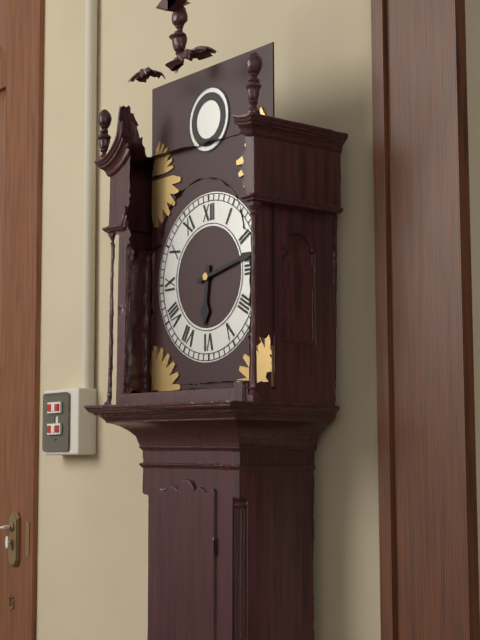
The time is 6h13
